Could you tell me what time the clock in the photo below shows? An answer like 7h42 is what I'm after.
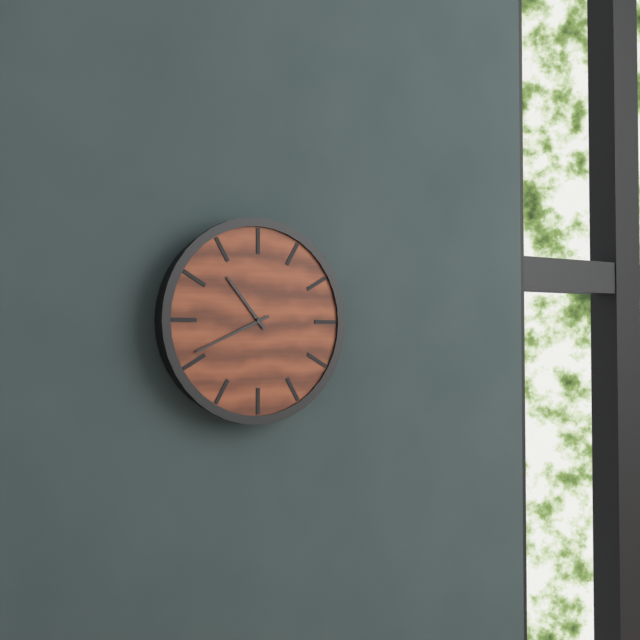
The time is 10h41
